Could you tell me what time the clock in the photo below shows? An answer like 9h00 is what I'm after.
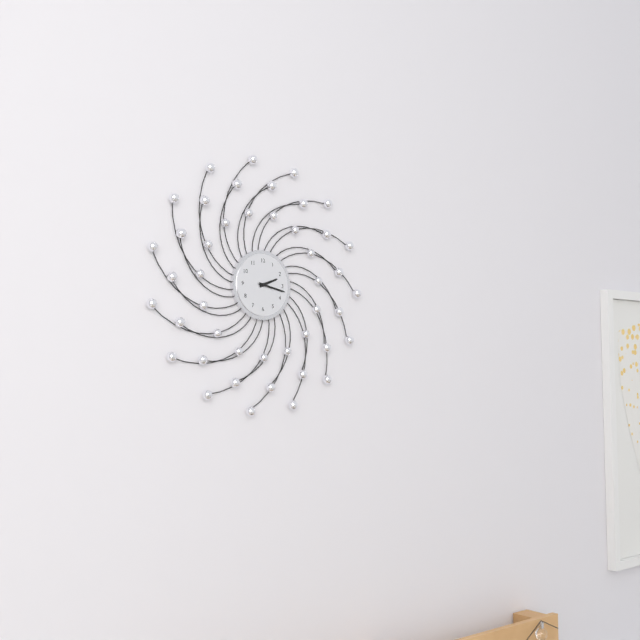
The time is 2h17
